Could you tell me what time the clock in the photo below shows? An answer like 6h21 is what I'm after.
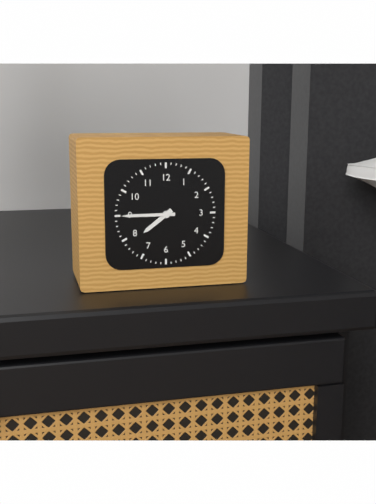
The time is 7h45
